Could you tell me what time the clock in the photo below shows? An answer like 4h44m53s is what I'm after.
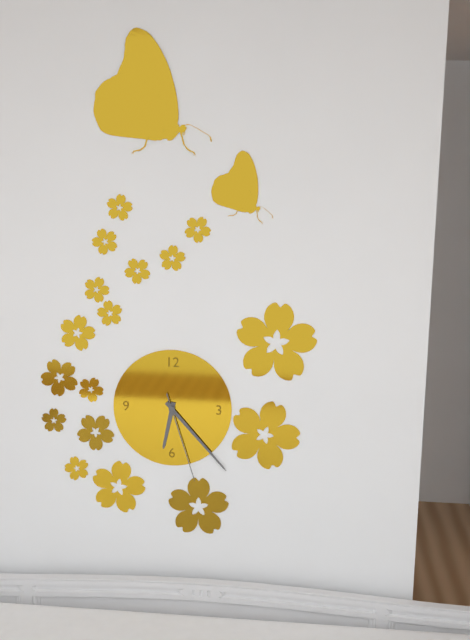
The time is 6h23m27s
